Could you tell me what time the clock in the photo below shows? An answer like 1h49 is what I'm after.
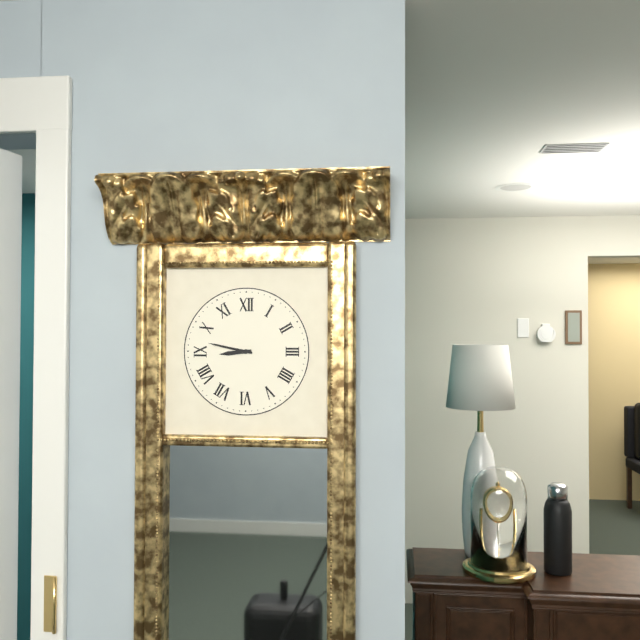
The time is 8h47
